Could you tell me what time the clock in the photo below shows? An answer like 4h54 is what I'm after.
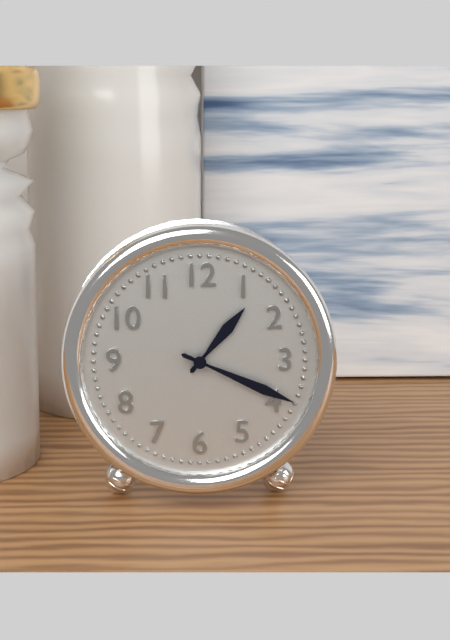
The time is 1h19
